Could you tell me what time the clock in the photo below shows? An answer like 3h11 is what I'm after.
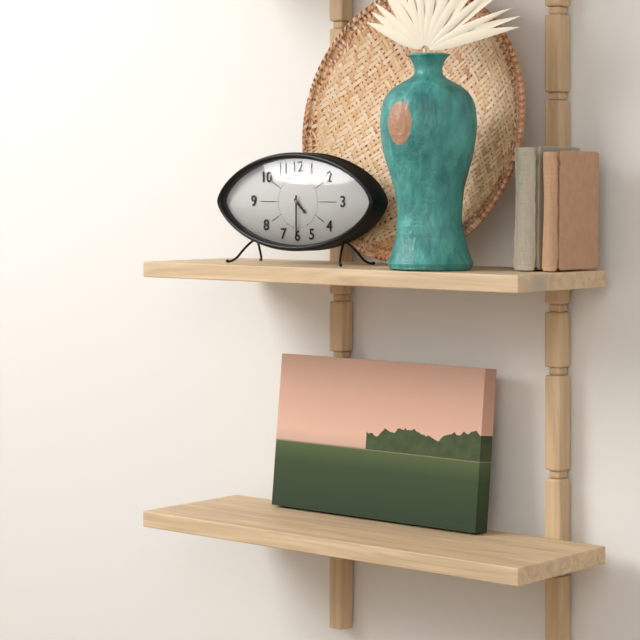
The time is 4h30
